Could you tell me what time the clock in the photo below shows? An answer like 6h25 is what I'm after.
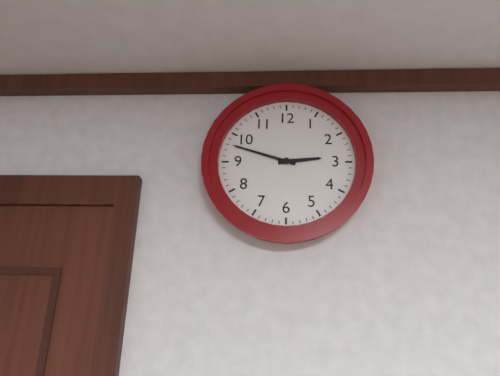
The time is 2h48
